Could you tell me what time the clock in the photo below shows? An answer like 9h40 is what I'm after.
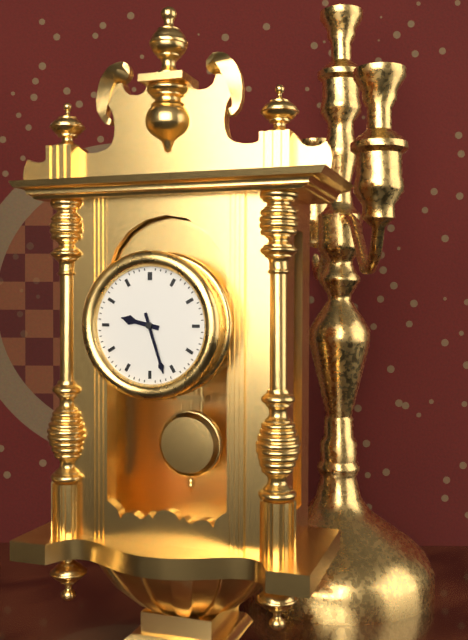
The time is 9h27
